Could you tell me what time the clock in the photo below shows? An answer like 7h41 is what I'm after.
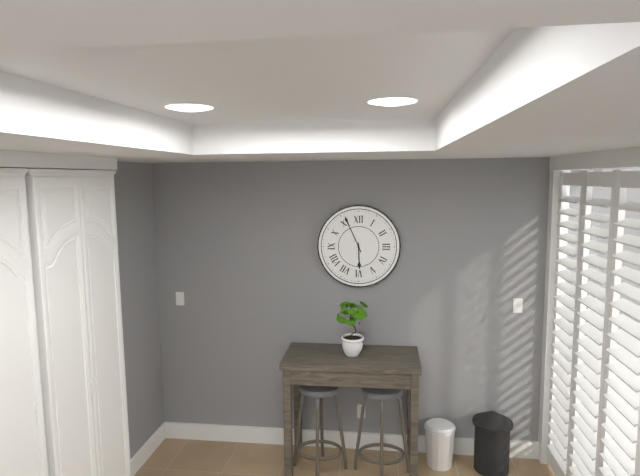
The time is 5h56
